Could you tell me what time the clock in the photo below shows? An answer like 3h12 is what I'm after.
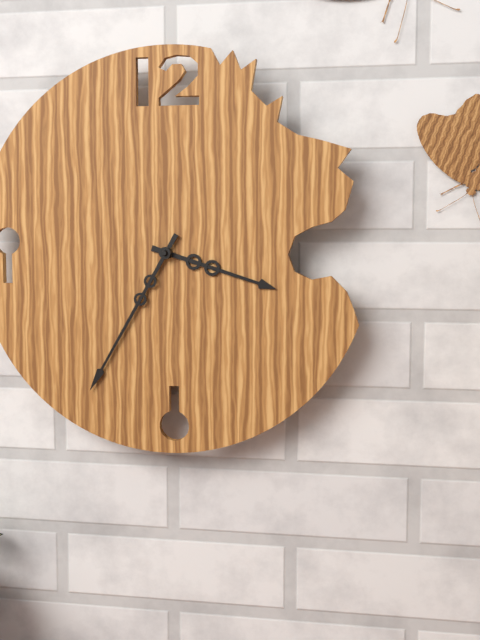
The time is 3h35
